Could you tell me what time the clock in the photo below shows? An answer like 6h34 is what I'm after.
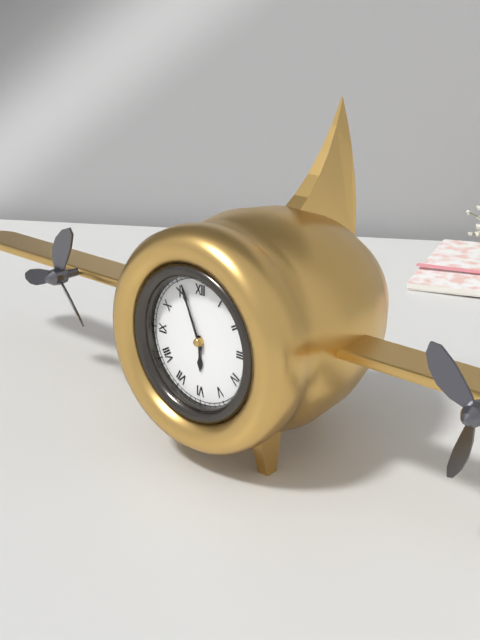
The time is 5h56
